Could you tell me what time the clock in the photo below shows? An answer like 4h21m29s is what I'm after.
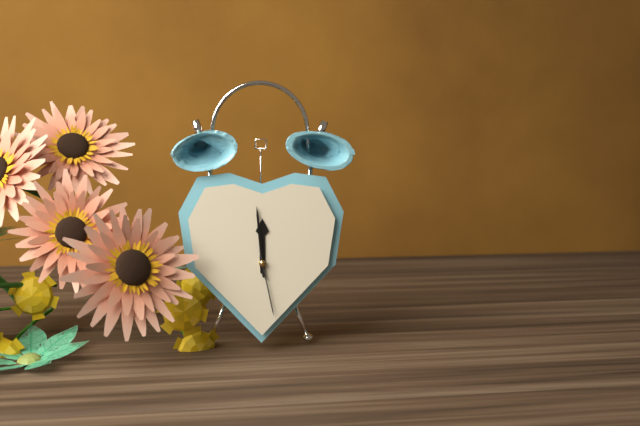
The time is 11h59m28s
